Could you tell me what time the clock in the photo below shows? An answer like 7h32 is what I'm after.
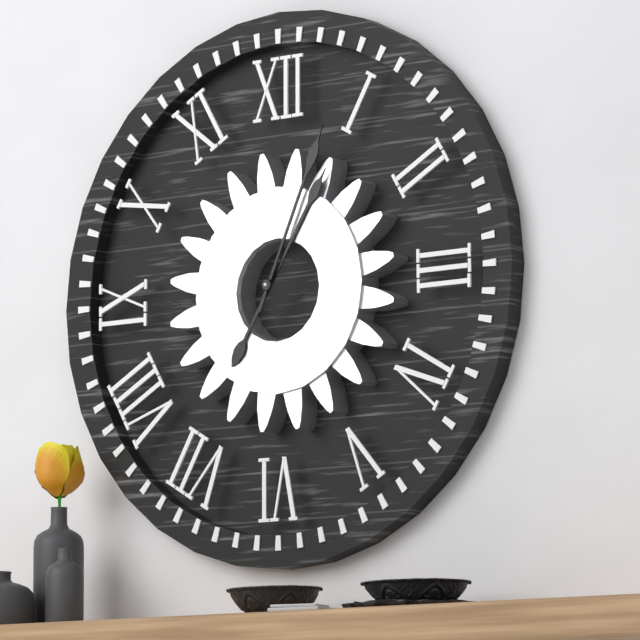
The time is 1h04
